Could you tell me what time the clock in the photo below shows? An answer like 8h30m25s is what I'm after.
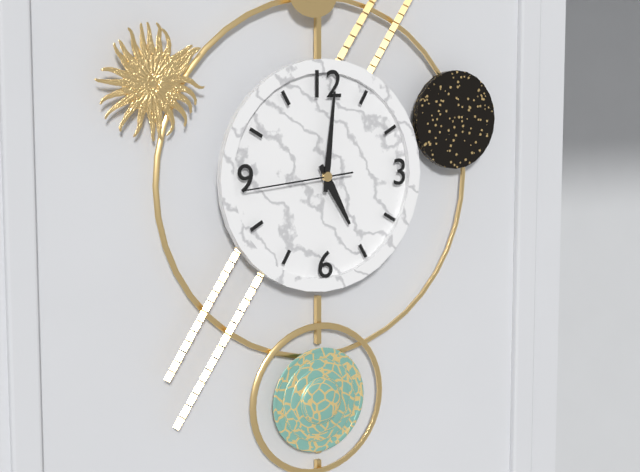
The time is 5h01m44s
